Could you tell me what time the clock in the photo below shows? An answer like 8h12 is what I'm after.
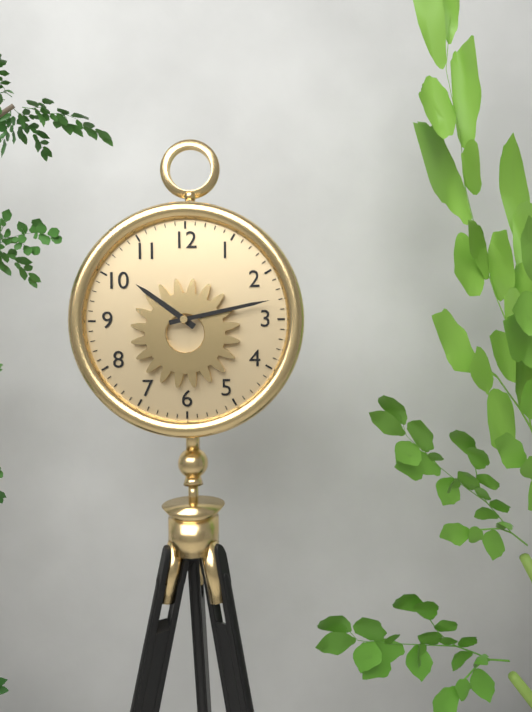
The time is 10h13
